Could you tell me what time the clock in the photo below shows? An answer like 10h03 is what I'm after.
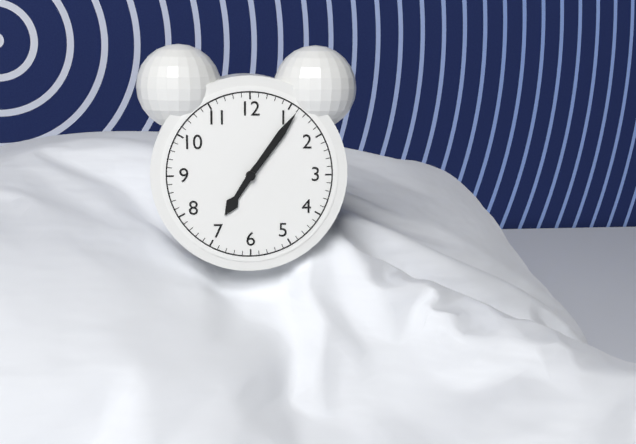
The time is 7h06
